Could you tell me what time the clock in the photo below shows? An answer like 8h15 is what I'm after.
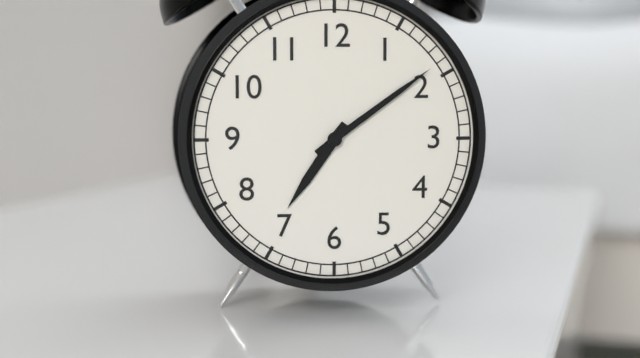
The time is 7h09
